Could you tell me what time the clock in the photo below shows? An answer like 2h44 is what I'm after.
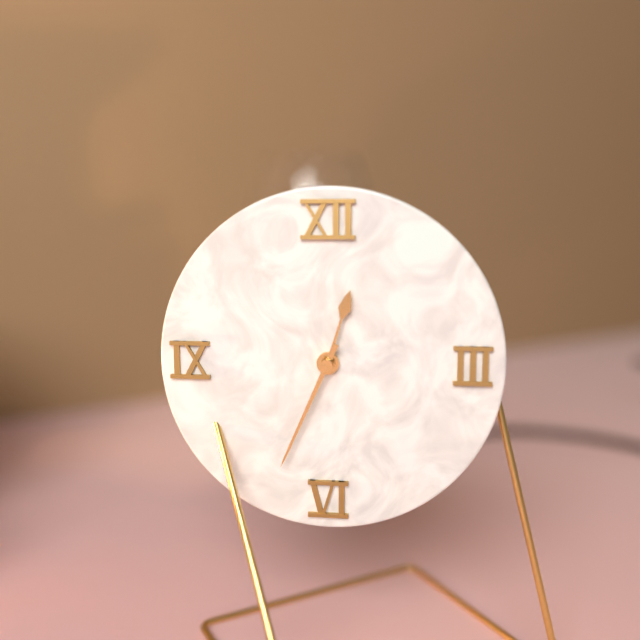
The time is 12h34
